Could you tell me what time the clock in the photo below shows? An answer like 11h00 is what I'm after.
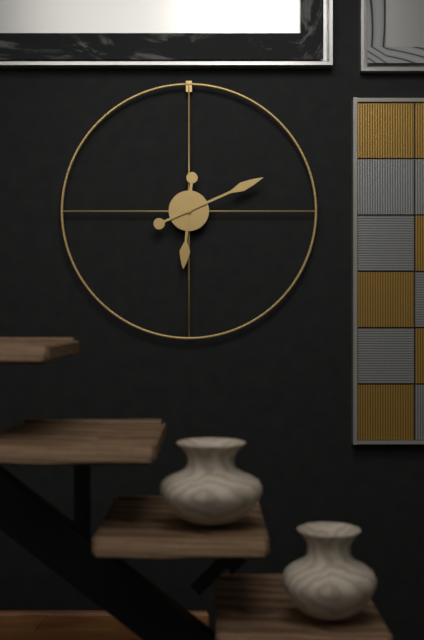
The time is 6h11
